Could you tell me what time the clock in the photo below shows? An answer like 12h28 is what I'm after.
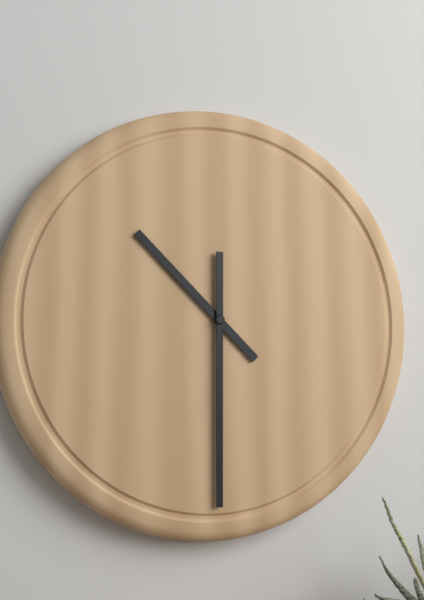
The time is 10h30
